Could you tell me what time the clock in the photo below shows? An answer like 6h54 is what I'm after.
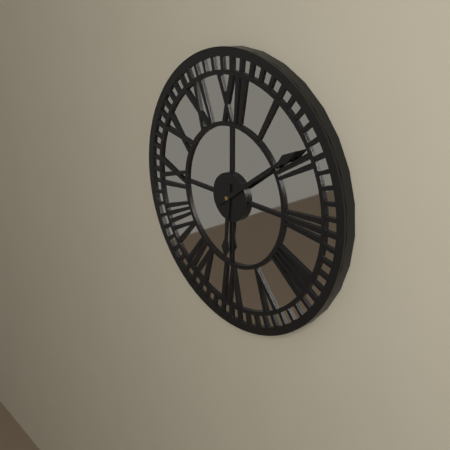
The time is 6h09
